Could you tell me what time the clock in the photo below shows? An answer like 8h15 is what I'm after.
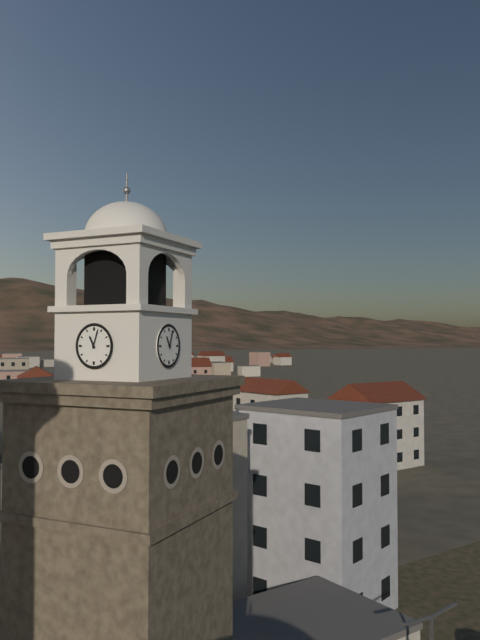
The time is 11h03
